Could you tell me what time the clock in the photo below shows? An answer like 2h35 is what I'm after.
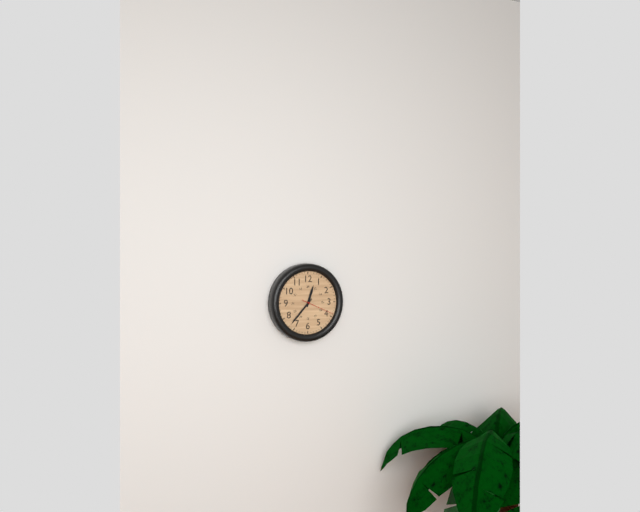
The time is 12h37
